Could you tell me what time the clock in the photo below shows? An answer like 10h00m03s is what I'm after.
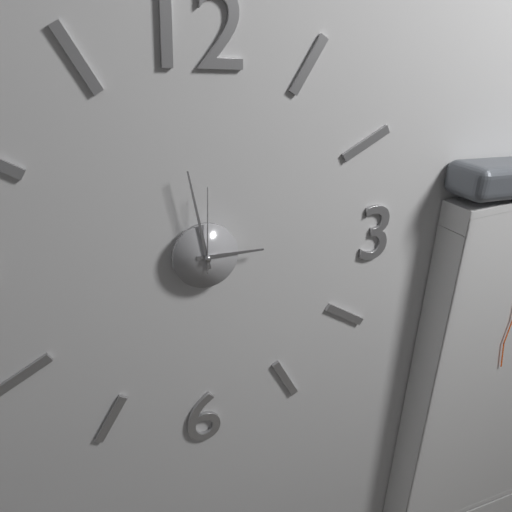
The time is 2h58m00s
